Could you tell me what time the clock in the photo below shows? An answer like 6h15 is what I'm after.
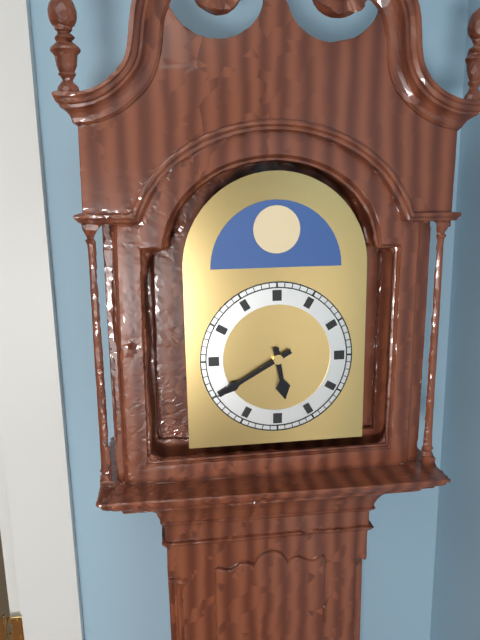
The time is 5h40
